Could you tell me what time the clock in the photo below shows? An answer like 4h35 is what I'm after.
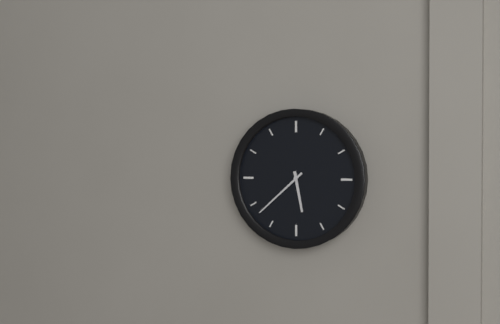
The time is 5h38
